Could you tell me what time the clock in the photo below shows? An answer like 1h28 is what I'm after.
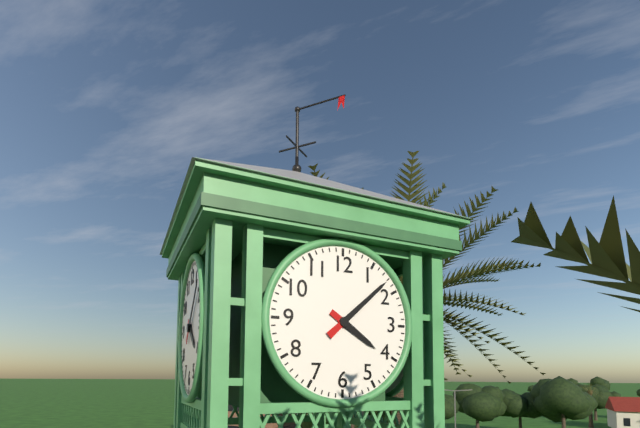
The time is 4h08
